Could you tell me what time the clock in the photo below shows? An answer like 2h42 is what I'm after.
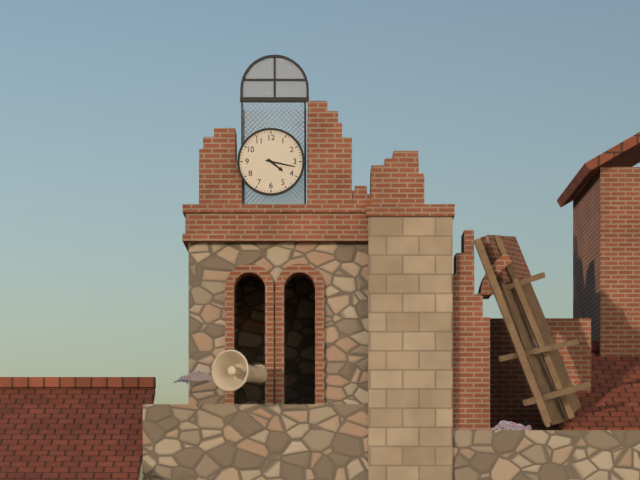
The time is 4h17
